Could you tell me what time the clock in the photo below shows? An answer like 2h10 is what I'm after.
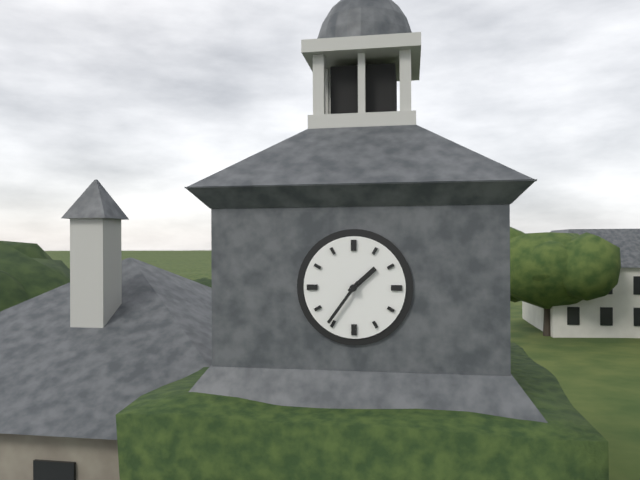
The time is 1h36
